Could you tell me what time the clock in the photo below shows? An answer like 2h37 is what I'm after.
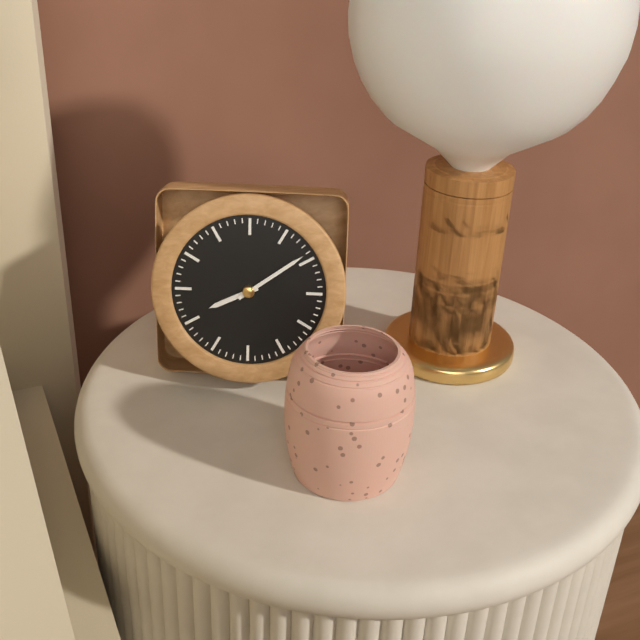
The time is 8h09
